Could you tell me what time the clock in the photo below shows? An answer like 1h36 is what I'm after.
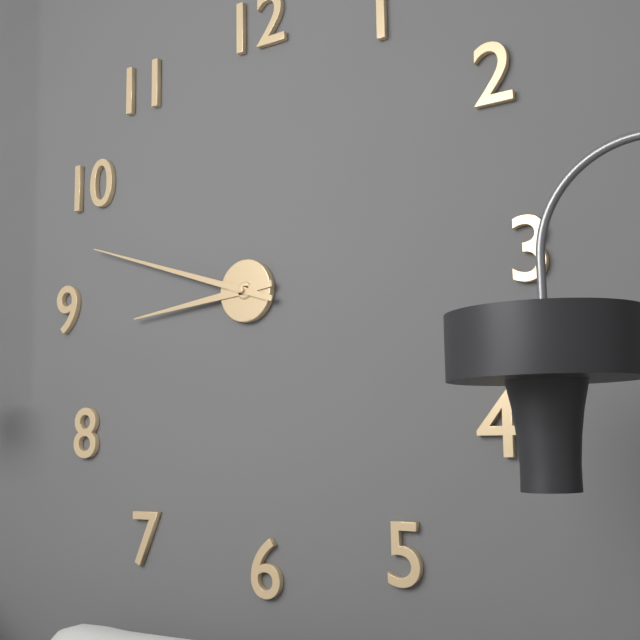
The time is 8h48
